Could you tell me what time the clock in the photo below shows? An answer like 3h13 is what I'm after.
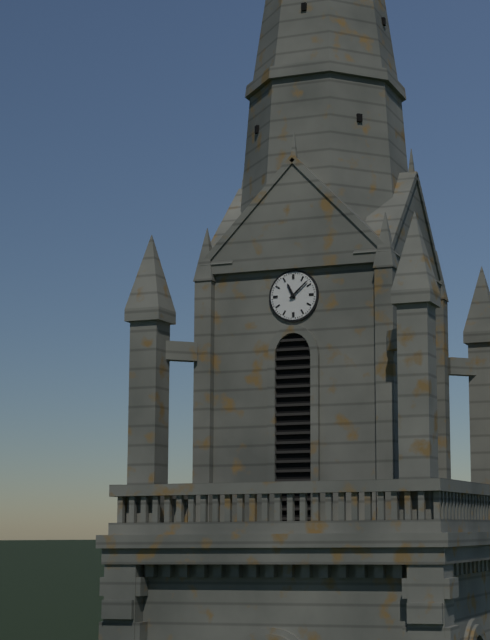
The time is 11h08
